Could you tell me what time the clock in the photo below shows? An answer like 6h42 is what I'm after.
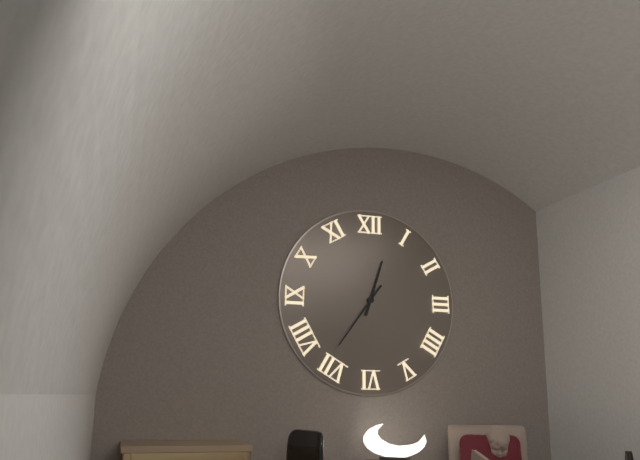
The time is 12h36
